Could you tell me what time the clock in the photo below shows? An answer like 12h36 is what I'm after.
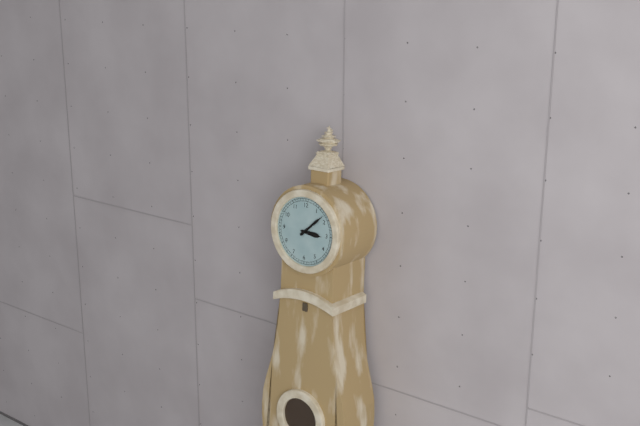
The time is 3h08
